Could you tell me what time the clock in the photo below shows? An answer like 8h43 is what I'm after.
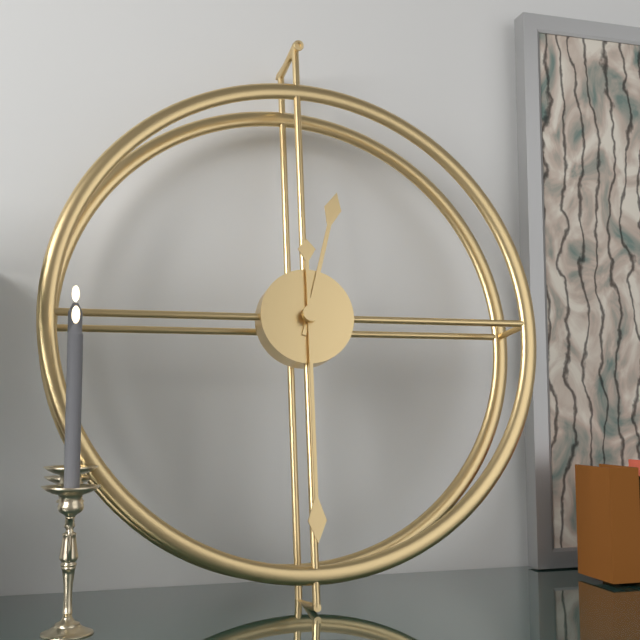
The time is 12h30
